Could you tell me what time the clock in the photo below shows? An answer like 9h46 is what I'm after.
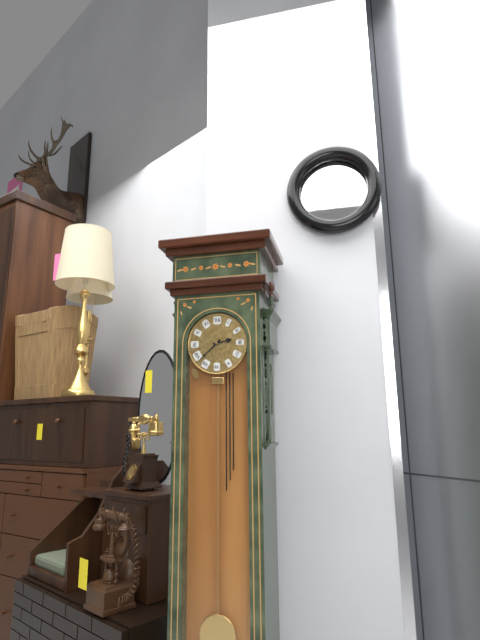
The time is 2h38
